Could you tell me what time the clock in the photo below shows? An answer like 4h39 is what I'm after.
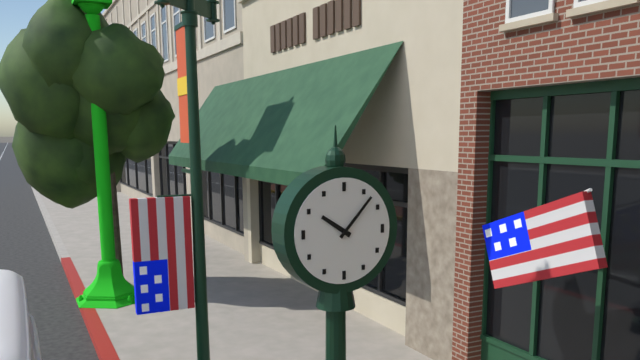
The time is 10h07
